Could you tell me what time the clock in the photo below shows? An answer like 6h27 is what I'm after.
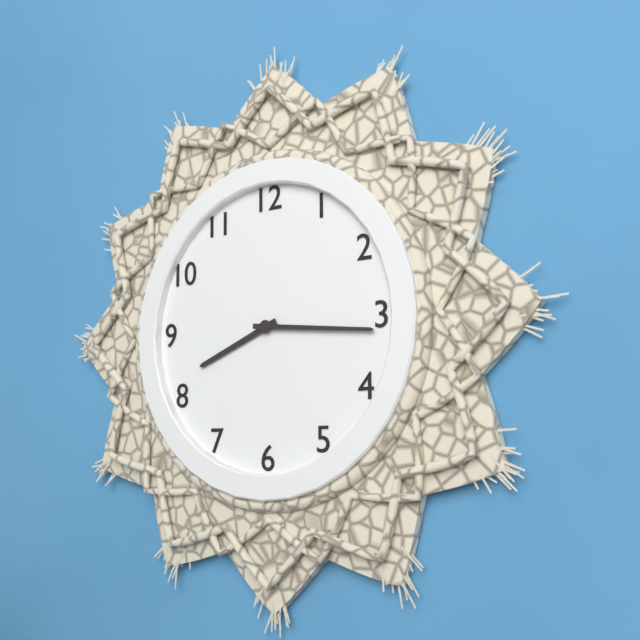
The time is 8h16
